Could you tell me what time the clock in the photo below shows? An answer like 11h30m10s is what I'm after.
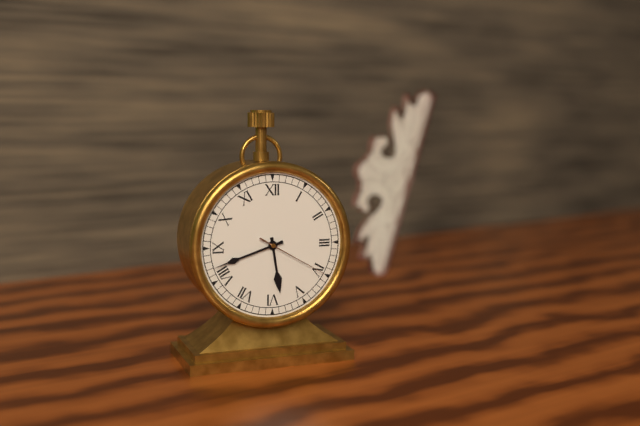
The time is 5h42m20s
